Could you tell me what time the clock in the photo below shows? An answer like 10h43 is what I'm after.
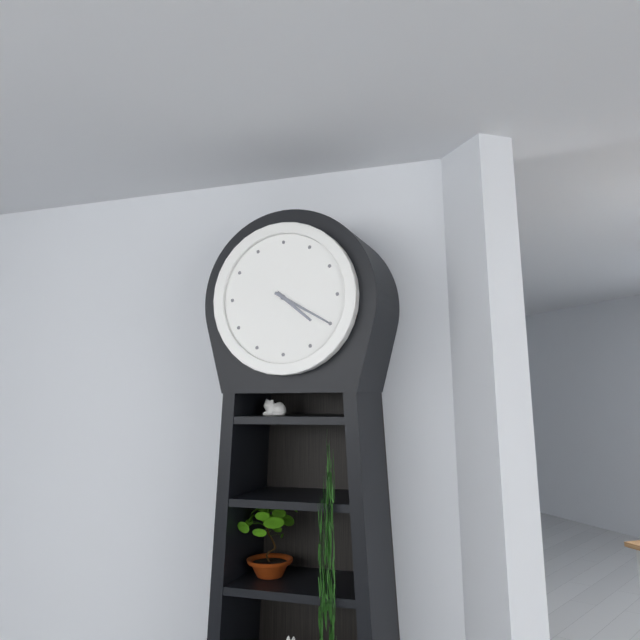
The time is 4h20
